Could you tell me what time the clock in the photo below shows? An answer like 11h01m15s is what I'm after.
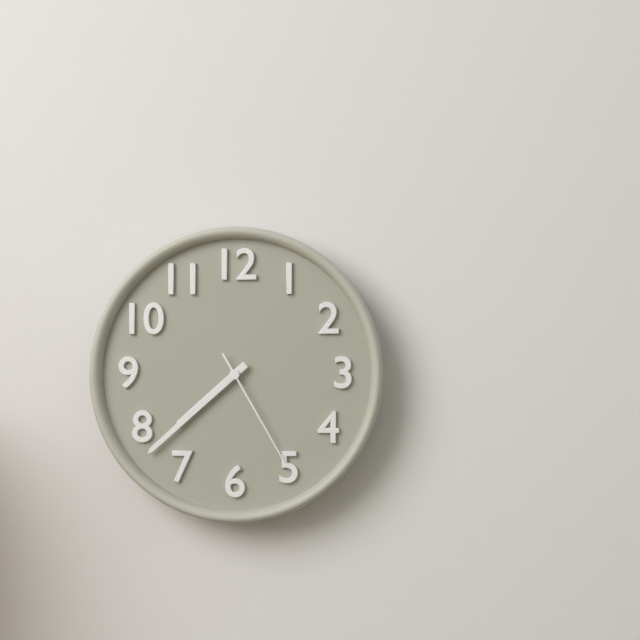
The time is 7h38m25s
